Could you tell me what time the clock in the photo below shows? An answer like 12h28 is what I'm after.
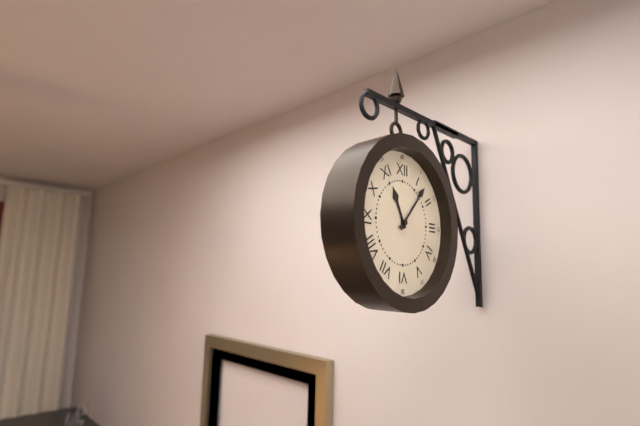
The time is 11h07
